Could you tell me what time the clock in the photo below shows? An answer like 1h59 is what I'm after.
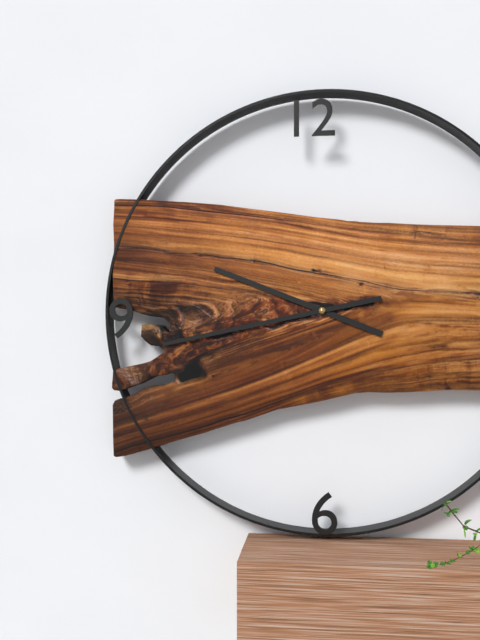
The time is 9h43
